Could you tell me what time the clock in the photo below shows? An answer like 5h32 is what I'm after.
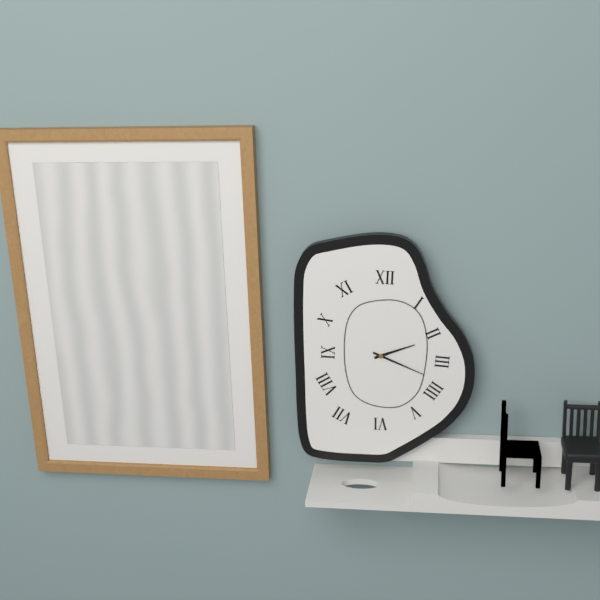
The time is 2h19
